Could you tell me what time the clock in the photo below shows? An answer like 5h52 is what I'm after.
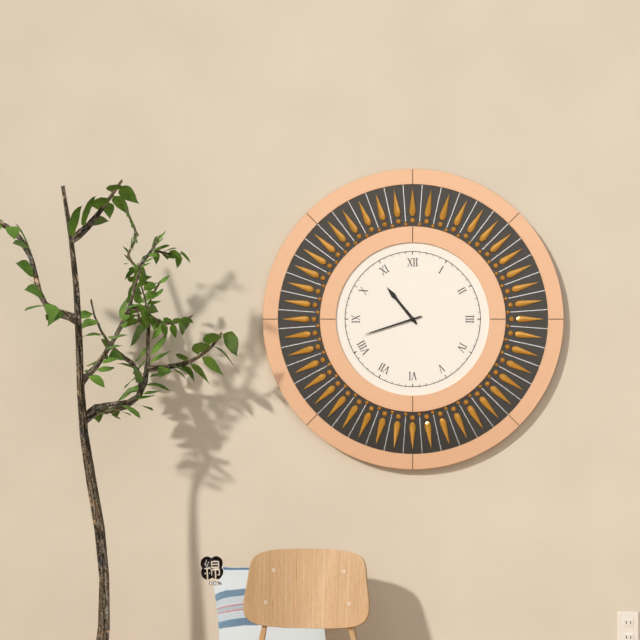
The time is 10h42
